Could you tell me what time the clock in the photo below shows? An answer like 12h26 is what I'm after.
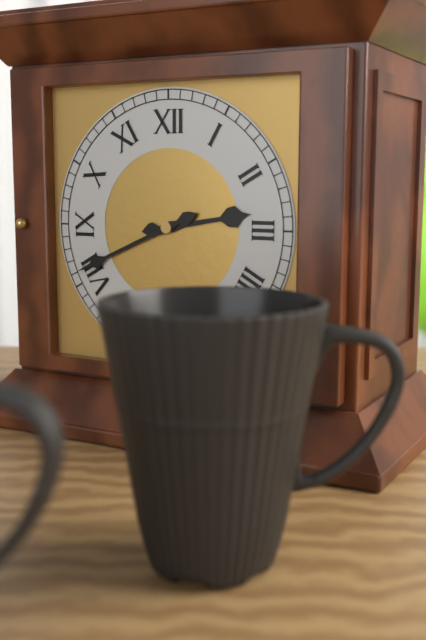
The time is 2h41
